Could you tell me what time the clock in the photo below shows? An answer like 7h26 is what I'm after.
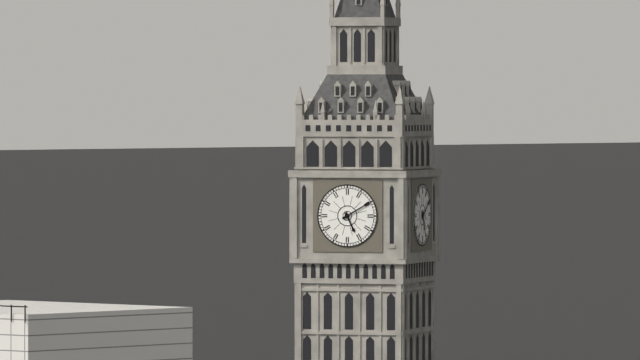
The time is 5h10
